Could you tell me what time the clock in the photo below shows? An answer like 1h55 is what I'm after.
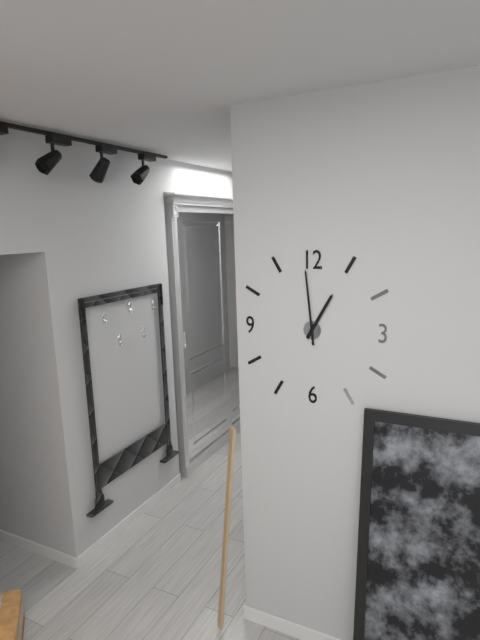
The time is 12h59
